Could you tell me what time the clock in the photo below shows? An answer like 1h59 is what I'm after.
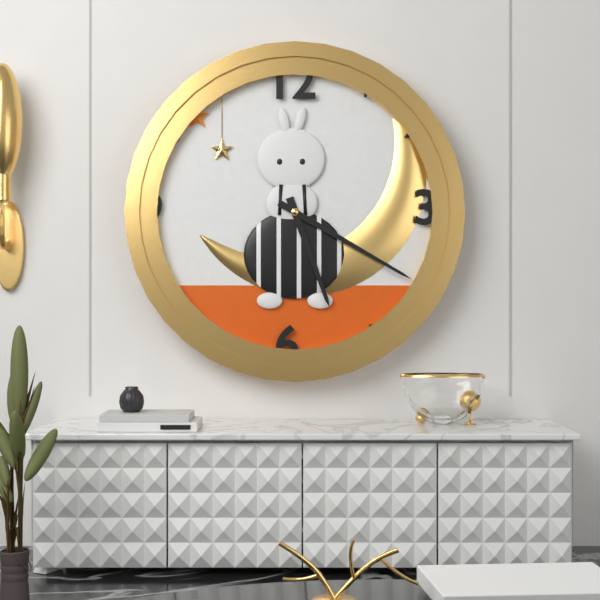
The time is 5h20
